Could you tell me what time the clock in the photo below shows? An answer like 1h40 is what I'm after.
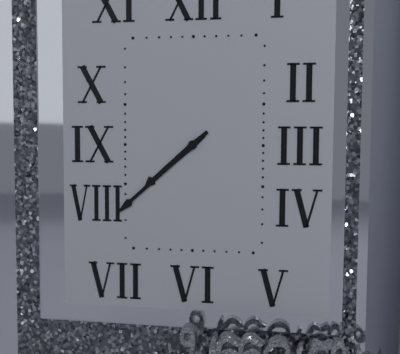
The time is 7h38
